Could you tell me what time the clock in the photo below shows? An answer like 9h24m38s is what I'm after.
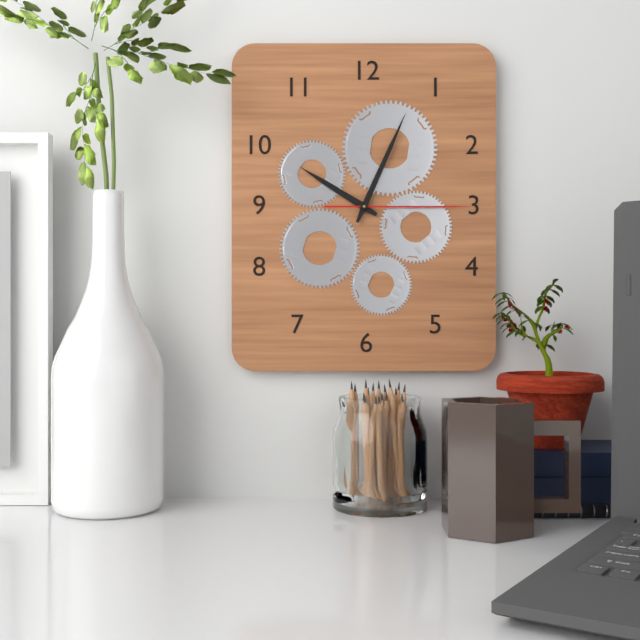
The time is 10h04m15s
